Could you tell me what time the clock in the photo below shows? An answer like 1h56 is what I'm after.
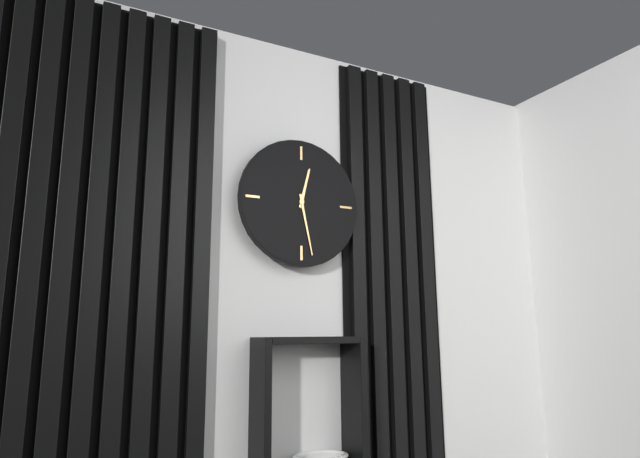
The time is 12h28
